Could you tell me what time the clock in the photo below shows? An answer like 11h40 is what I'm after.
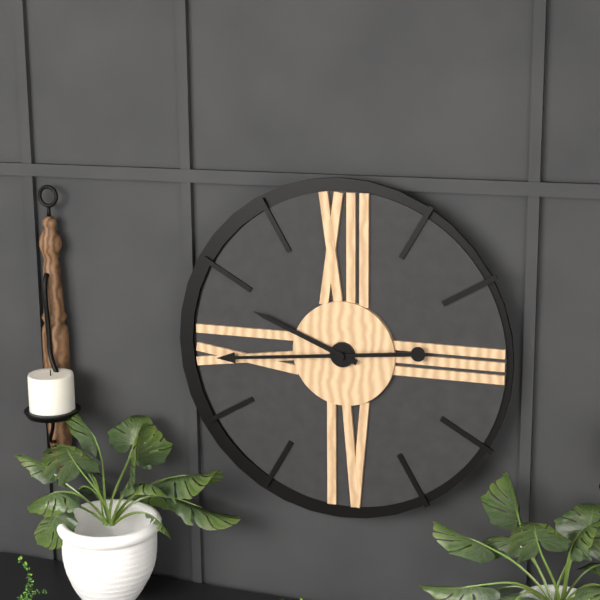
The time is 9h44
